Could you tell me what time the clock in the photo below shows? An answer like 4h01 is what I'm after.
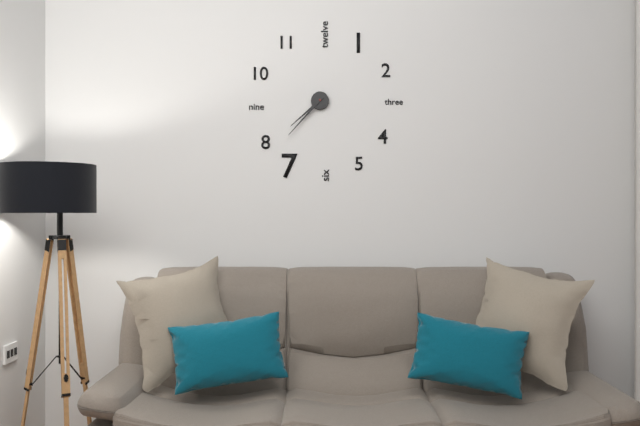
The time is 7h37
